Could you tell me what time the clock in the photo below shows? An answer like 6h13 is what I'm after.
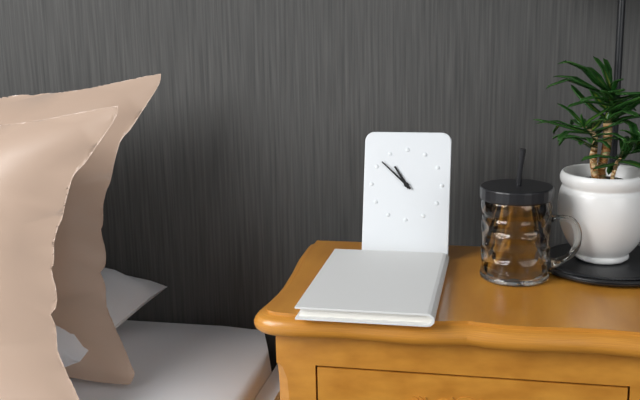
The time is 10h52
